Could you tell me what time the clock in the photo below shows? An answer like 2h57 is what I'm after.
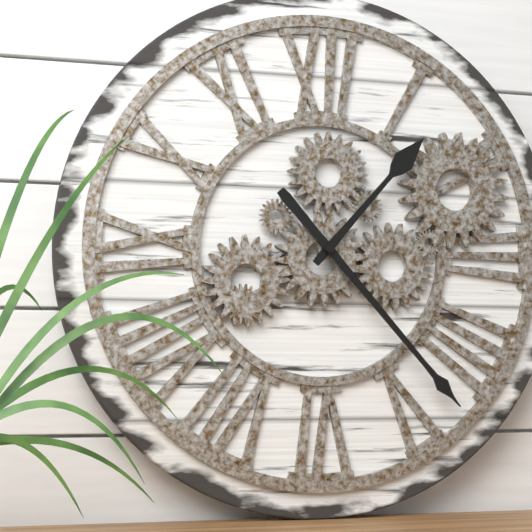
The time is 1h23
